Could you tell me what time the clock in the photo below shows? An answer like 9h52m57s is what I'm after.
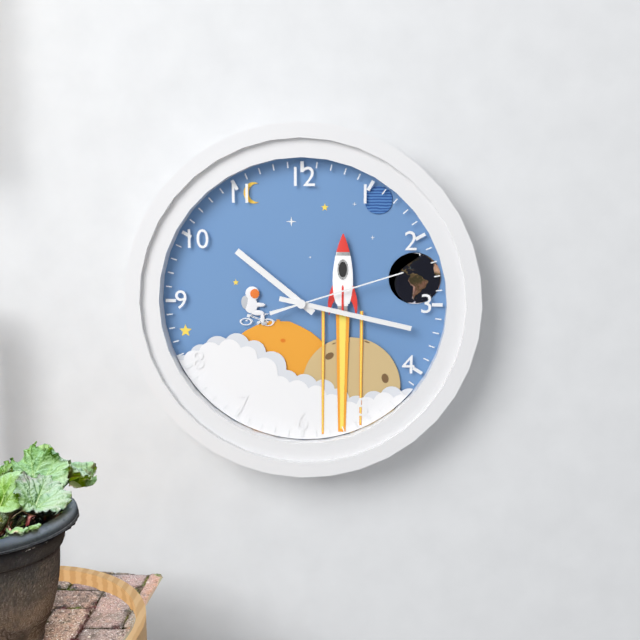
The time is 10h17m12s
